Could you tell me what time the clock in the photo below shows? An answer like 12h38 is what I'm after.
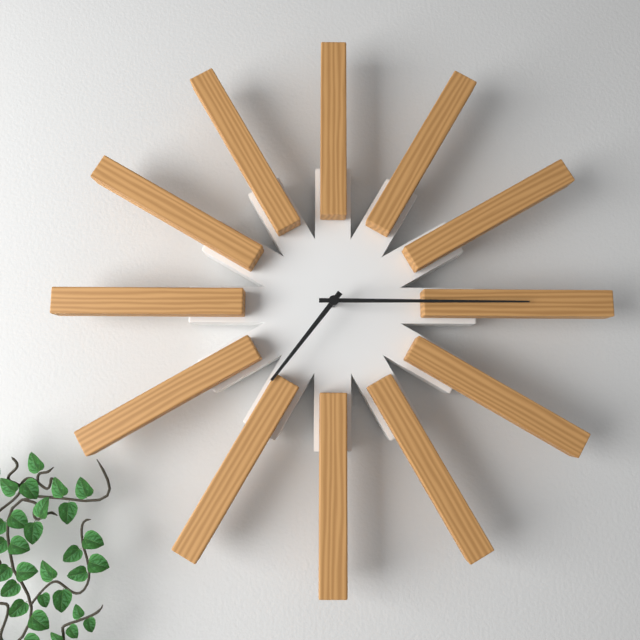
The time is 7h15
